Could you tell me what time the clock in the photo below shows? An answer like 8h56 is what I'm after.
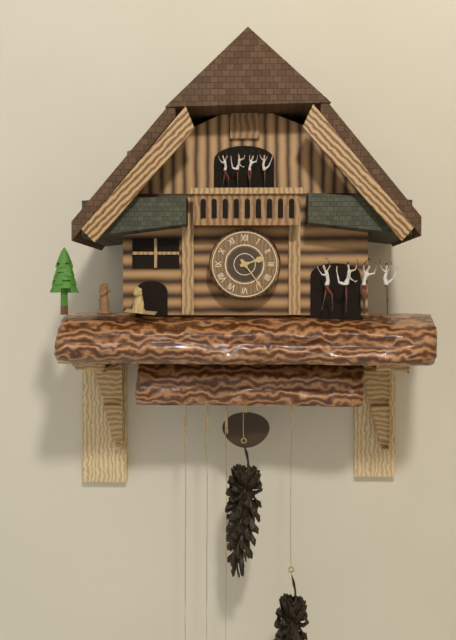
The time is 2h24
